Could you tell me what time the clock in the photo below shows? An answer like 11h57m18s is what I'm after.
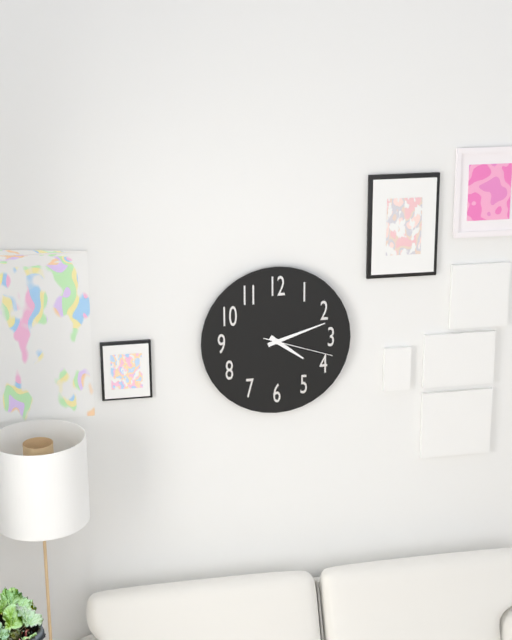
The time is 4h12m18s
